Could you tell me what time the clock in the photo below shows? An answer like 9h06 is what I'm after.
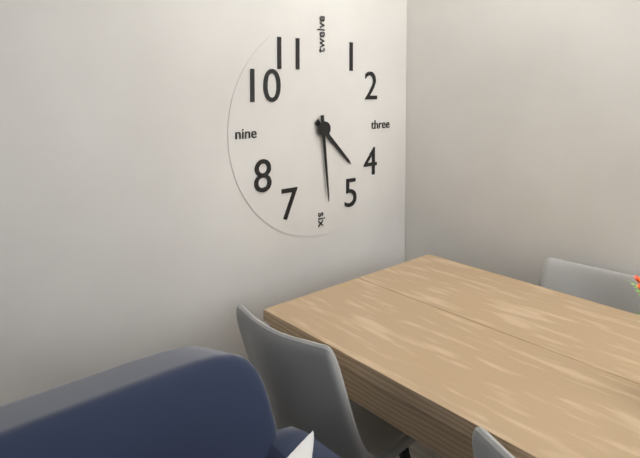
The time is 4h29
